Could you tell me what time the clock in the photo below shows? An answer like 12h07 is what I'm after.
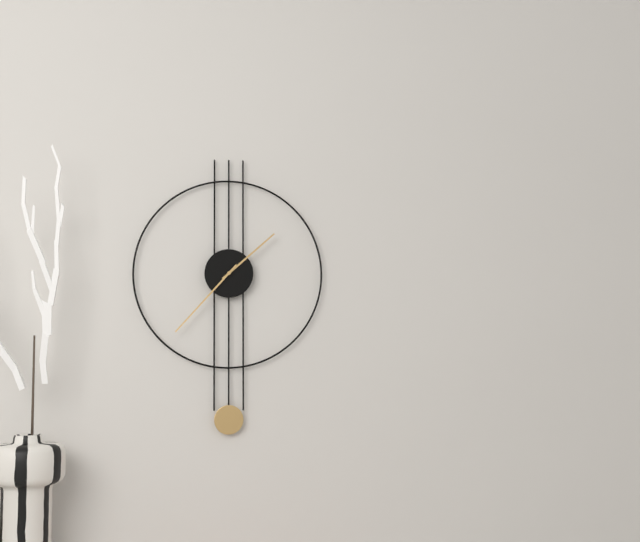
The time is 1h37
